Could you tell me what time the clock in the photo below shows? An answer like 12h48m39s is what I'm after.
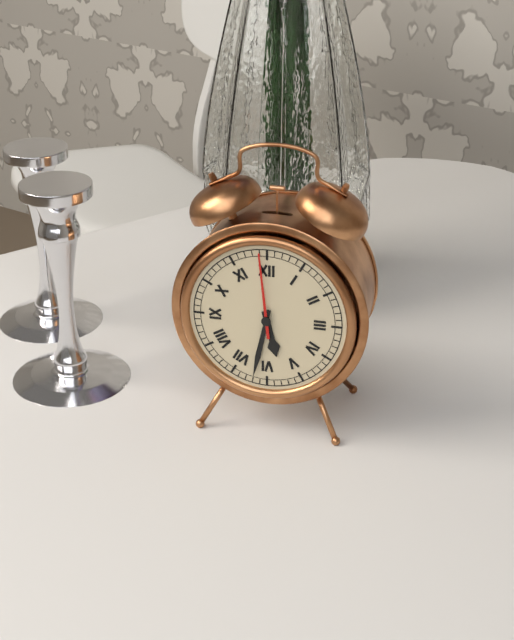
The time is 5h32m59s
